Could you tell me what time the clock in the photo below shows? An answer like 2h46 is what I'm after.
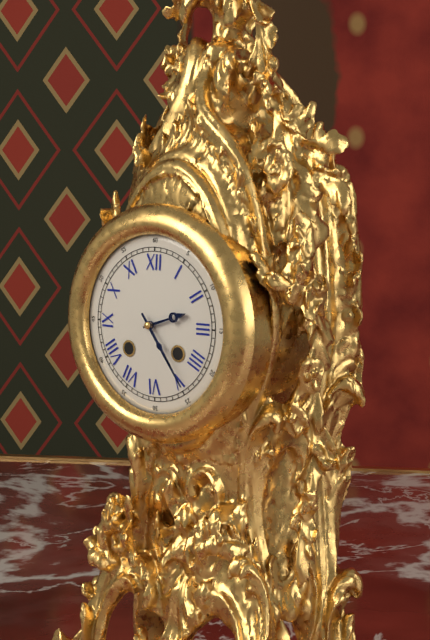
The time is 2h24
